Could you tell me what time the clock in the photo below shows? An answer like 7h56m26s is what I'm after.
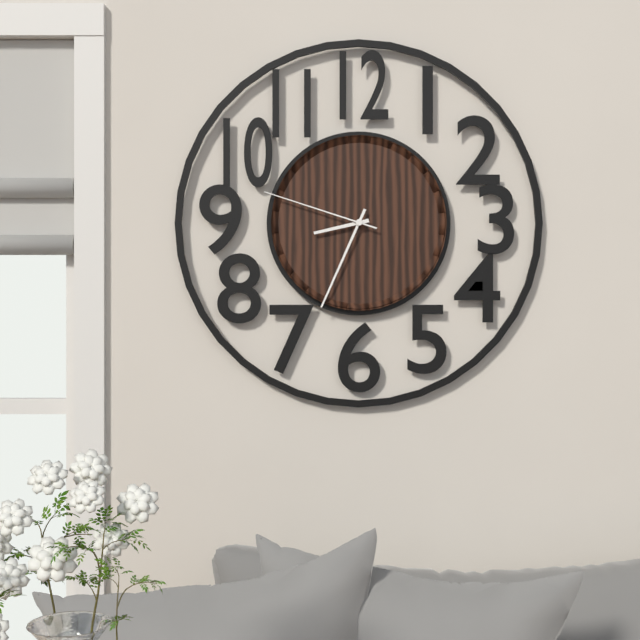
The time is 8h34m48s
